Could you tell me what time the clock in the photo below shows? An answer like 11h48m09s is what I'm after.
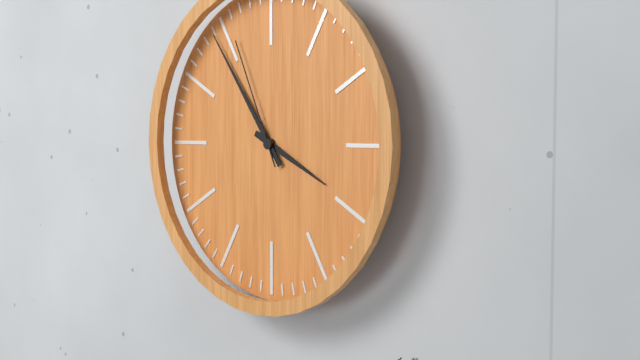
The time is 3h54m56s
